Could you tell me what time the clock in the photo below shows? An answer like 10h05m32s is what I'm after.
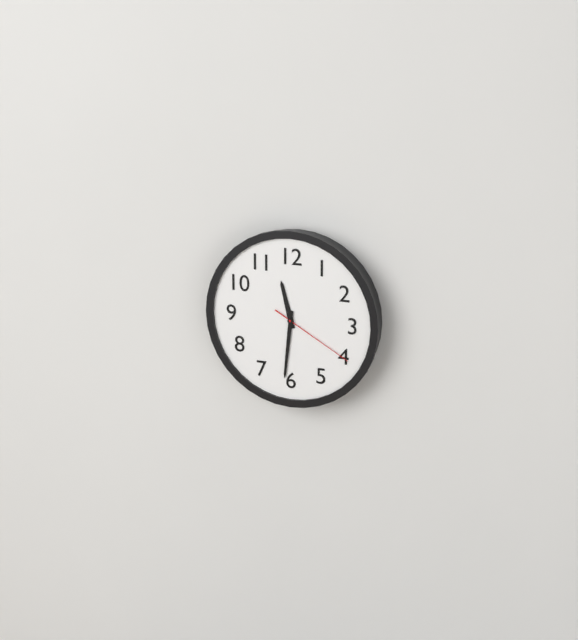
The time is 11h31m20s
